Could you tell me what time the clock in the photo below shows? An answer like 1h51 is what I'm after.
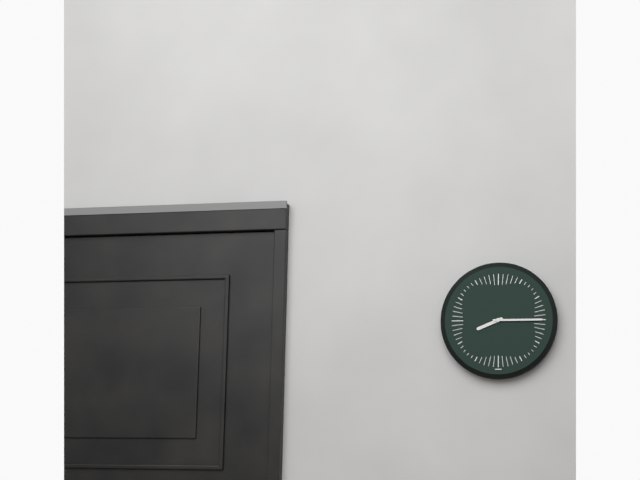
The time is 8h15
